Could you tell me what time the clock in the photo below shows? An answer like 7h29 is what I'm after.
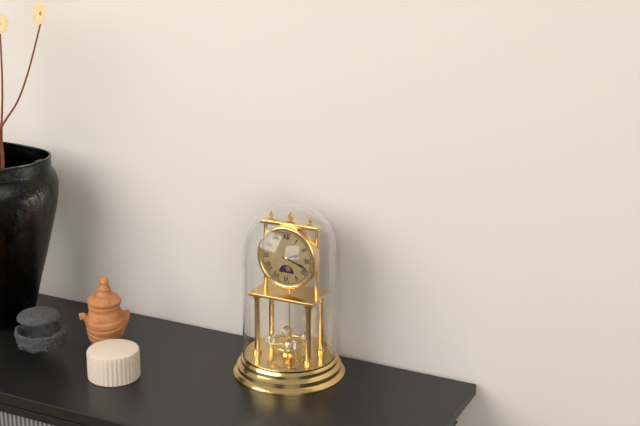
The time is 2h18
